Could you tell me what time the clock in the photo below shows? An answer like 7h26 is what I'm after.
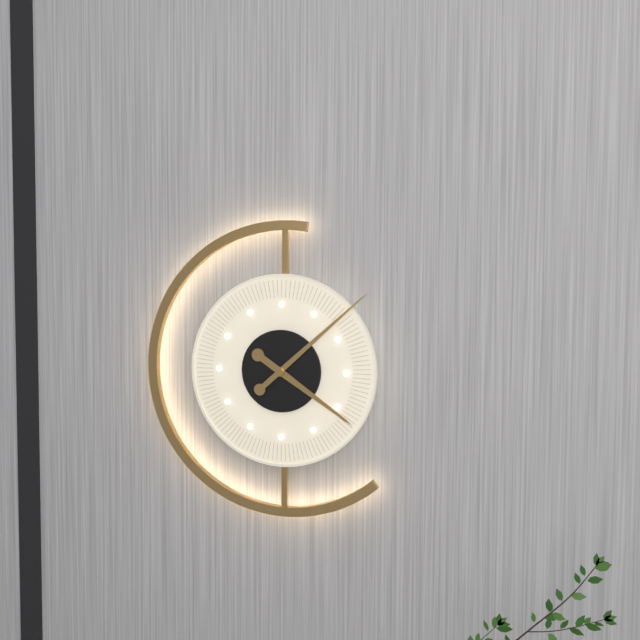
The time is 4h08
